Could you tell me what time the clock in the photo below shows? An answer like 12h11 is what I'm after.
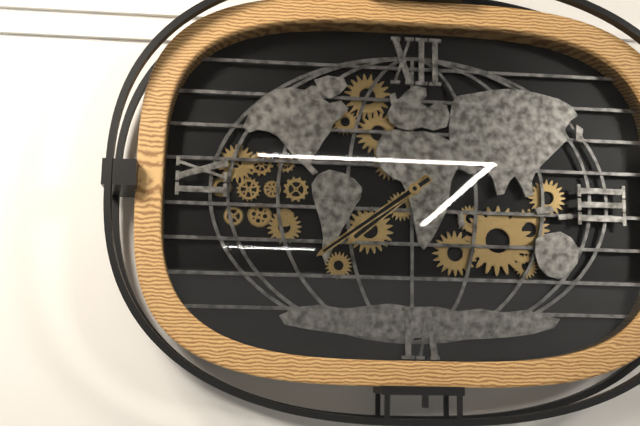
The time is 7h39
